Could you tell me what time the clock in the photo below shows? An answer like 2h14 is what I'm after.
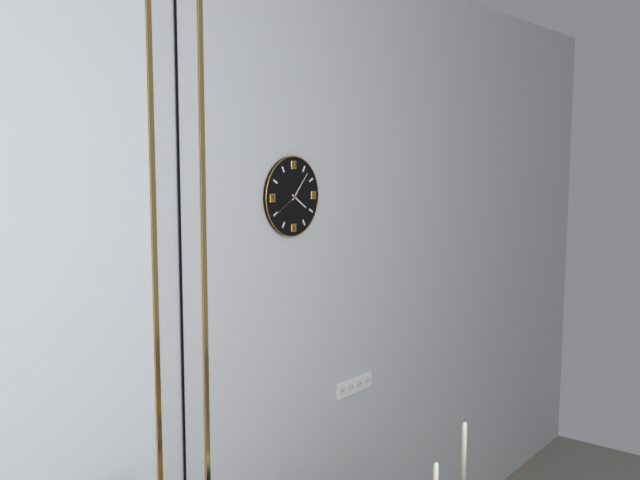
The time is 4h07
